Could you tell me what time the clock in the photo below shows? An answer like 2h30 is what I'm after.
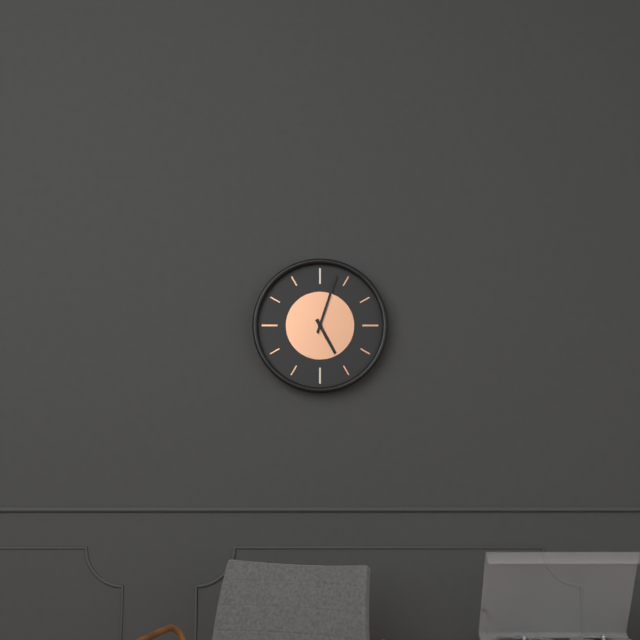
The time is 5h03
